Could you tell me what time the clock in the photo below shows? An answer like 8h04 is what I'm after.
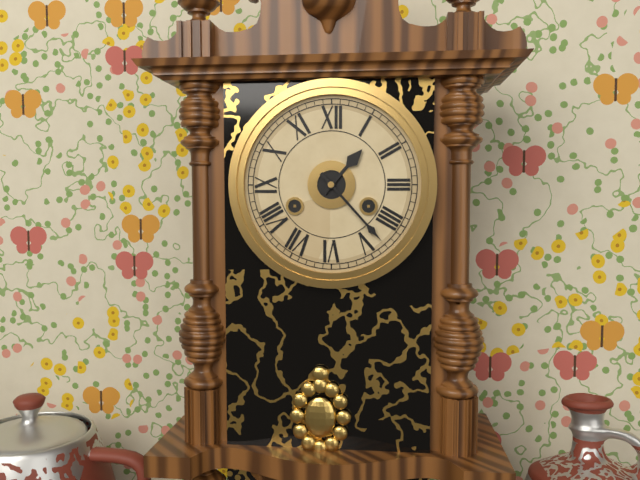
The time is 1h23
